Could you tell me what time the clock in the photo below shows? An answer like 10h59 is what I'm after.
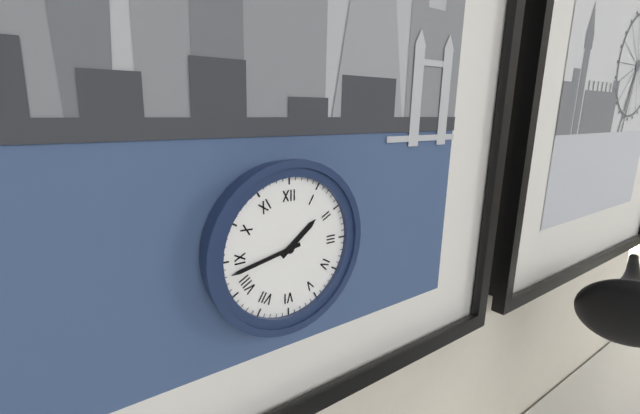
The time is 1h43
